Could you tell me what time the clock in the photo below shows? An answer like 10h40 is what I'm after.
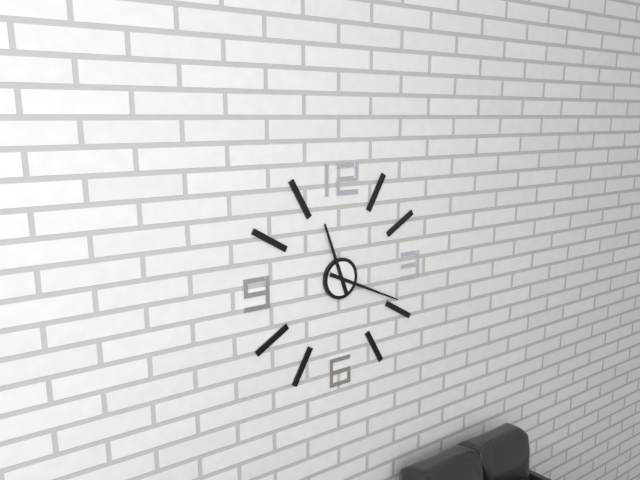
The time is 11h19
